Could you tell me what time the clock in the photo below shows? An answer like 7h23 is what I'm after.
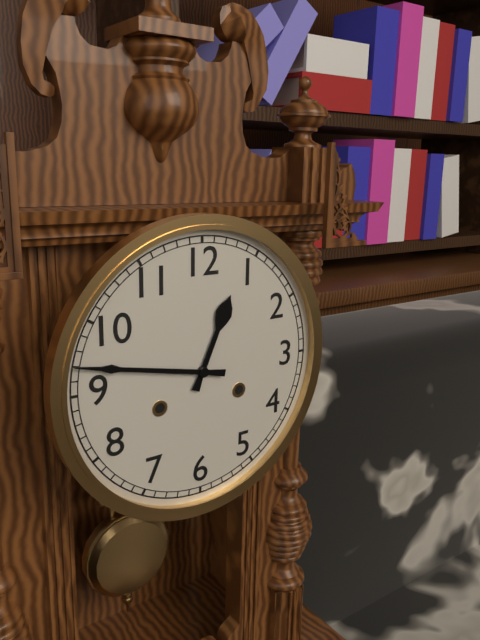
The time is 12h47
